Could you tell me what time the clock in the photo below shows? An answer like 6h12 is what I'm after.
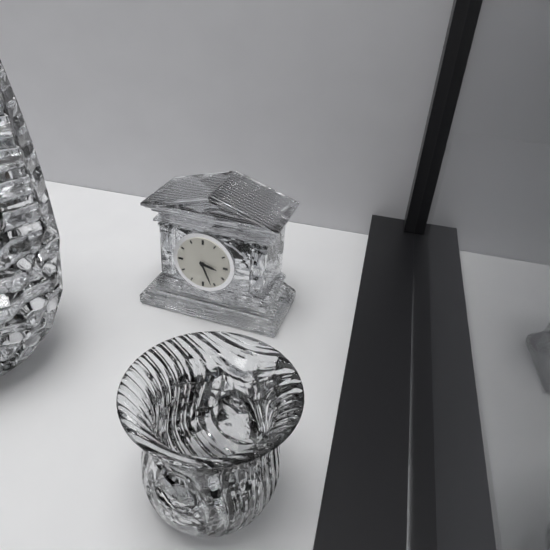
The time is 3h26
